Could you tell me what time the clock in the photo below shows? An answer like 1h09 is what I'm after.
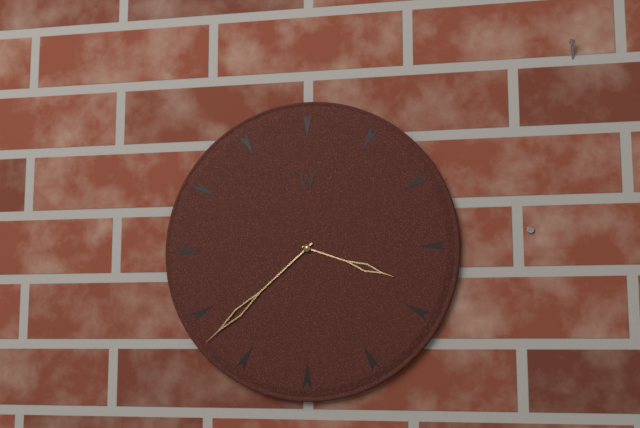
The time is 3h38
